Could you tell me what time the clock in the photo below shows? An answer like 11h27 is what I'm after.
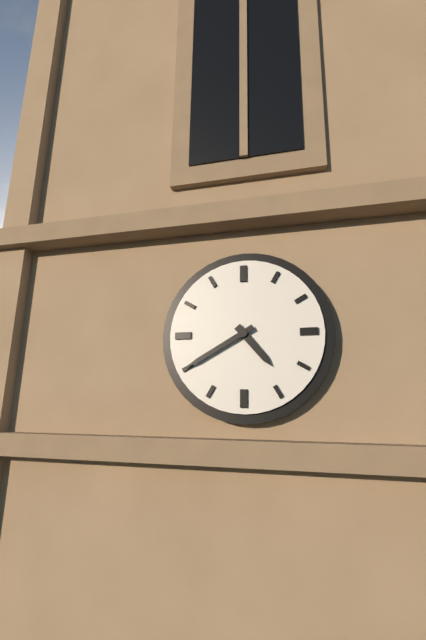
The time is 4h40
